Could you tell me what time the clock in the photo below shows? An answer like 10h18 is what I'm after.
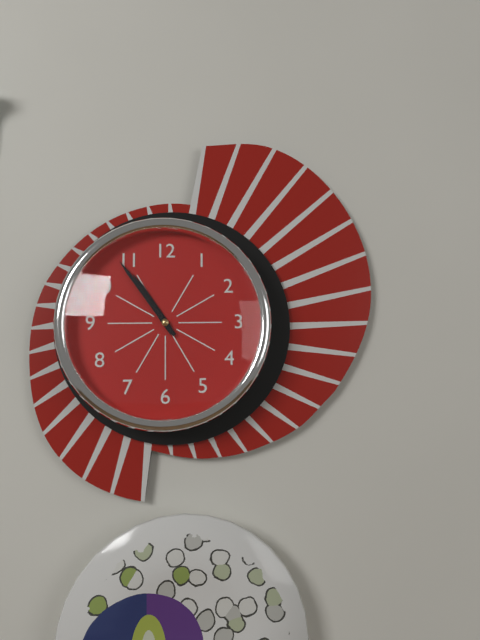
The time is 10h54
